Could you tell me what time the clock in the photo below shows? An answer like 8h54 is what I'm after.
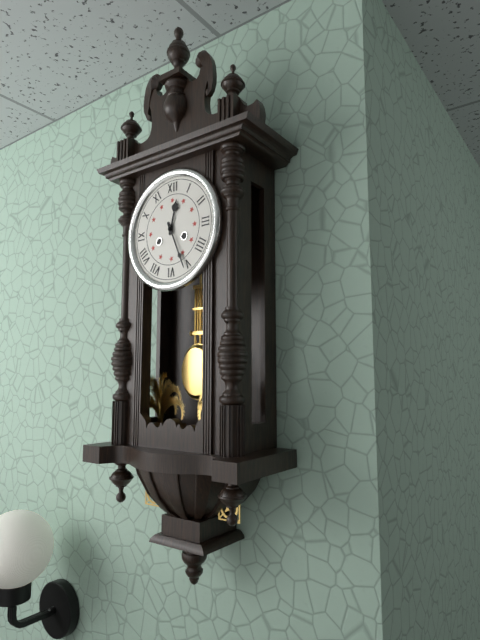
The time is 12h26
